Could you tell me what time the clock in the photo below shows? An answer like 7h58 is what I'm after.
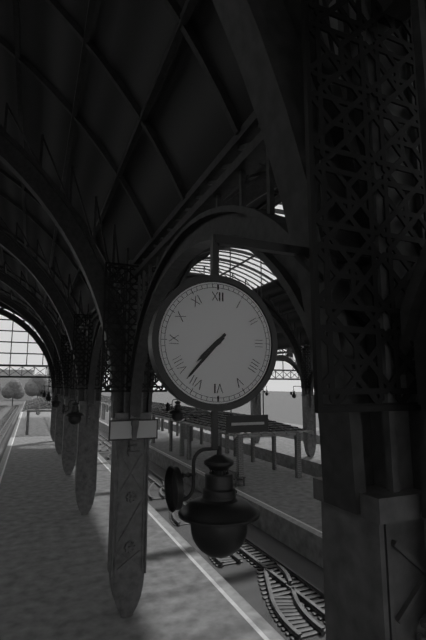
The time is 7h37
